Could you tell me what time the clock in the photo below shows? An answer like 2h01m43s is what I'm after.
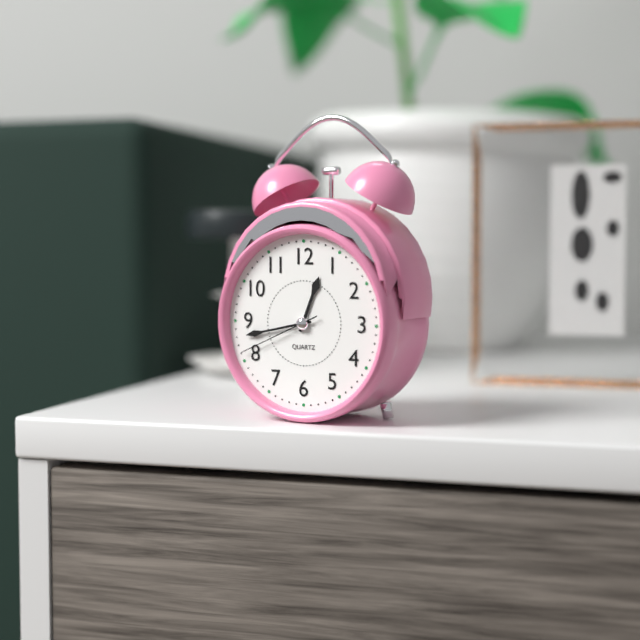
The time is 12h43m41s
